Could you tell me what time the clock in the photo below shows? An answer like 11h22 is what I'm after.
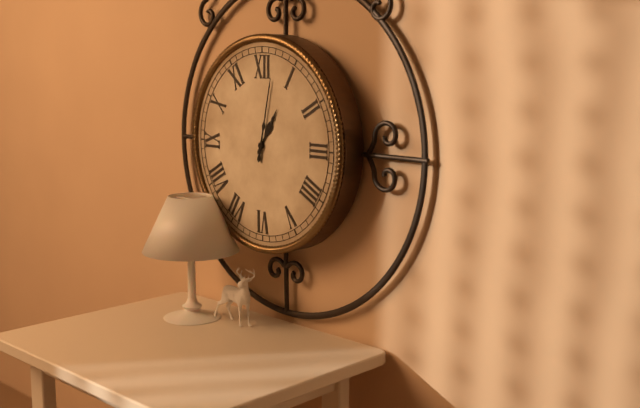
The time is 1h02
